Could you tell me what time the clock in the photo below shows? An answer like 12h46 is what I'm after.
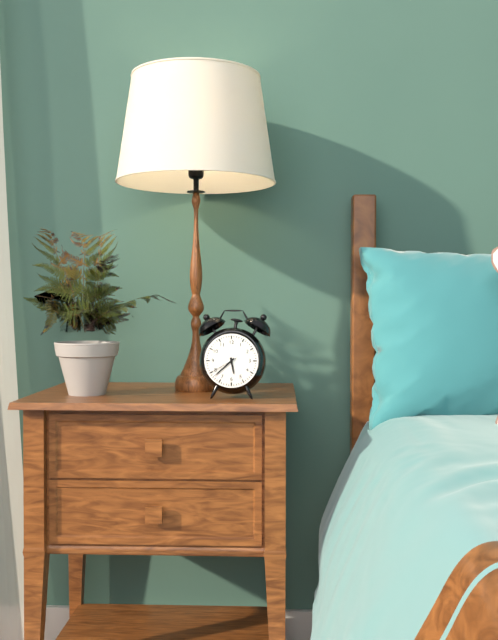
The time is 5h38
